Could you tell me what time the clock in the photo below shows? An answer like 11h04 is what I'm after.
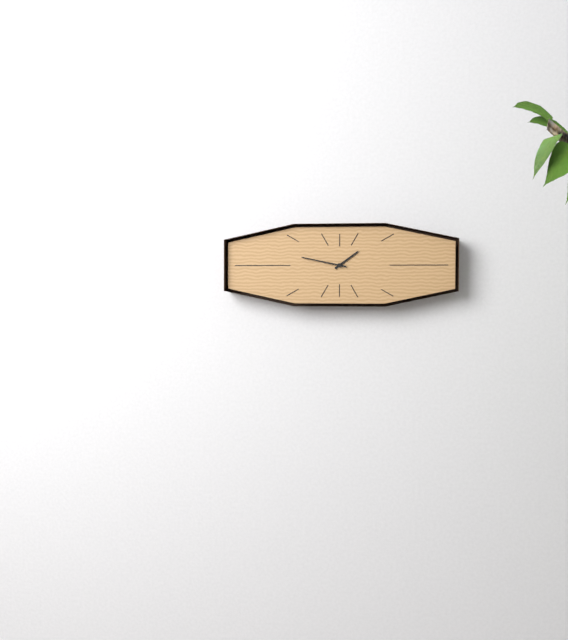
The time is 1h47
